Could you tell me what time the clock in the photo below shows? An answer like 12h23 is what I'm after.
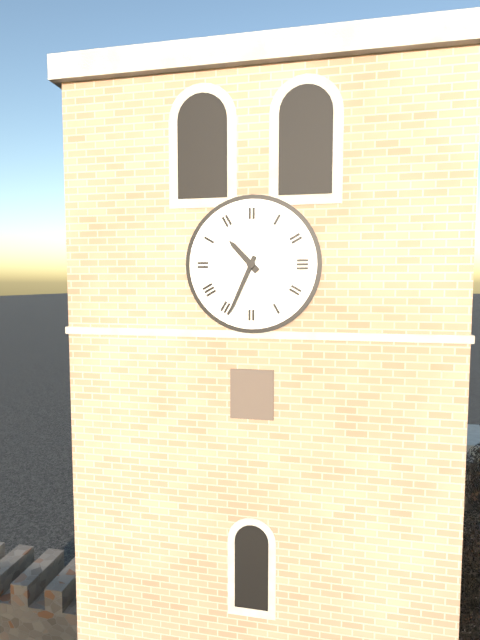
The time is 10h34
